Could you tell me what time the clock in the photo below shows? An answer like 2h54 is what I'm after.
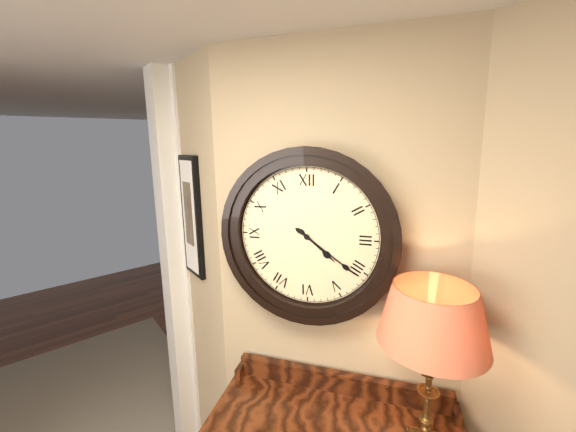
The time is 4h21
